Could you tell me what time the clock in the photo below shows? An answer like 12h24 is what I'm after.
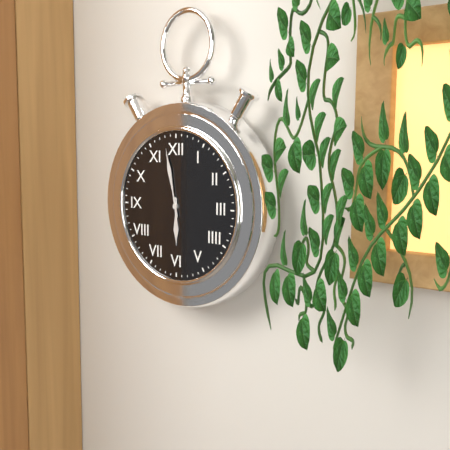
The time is 5h58
